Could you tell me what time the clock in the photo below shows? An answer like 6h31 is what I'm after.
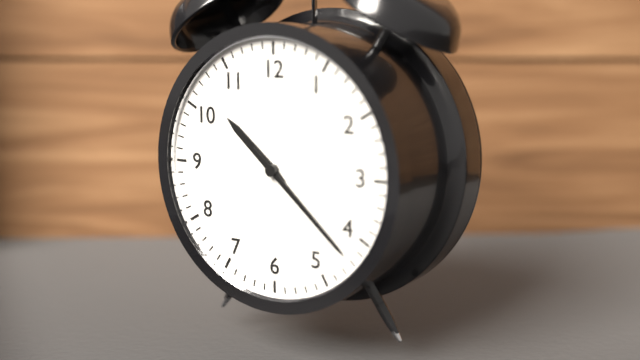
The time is 10h22
